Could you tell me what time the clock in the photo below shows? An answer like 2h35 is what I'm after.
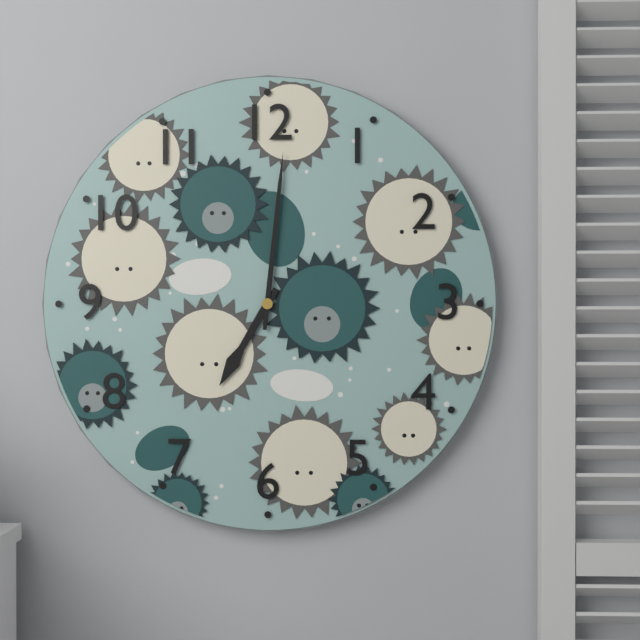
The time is 7h01
